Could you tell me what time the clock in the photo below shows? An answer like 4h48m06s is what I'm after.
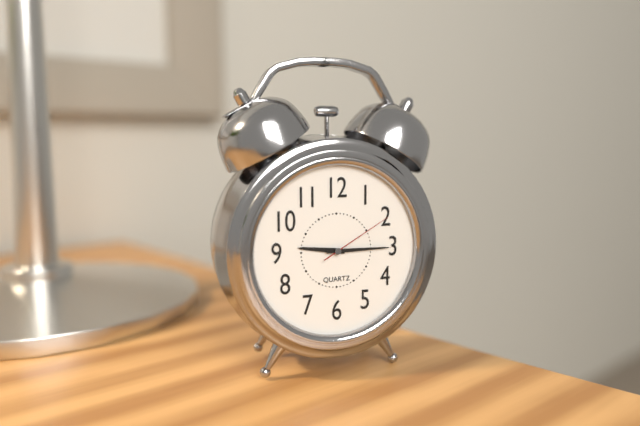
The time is 9h15m10s
